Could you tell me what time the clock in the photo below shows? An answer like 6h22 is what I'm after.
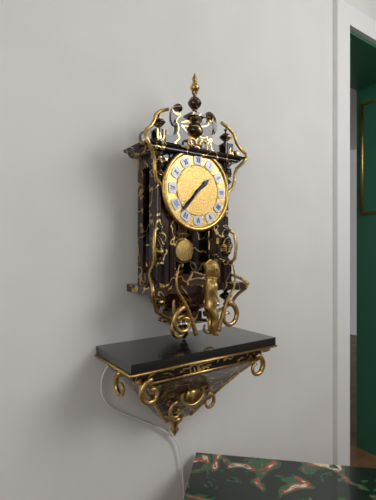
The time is 1h37
